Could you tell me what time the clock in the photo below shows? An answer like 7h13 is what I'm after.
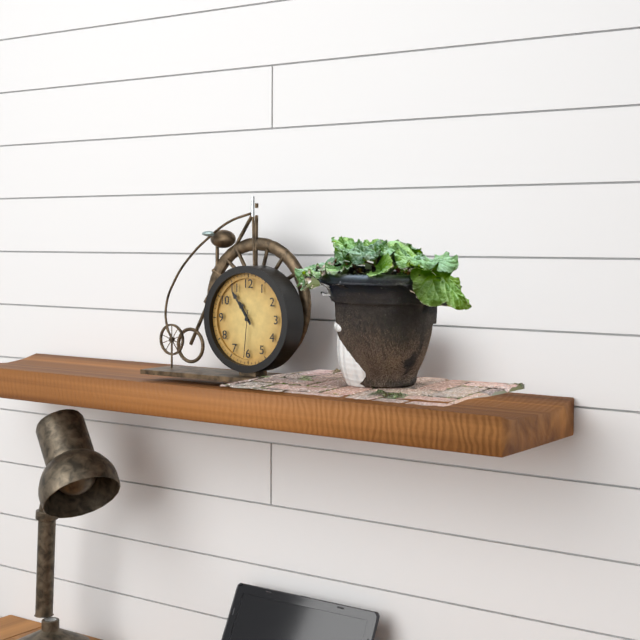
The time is 10h54
